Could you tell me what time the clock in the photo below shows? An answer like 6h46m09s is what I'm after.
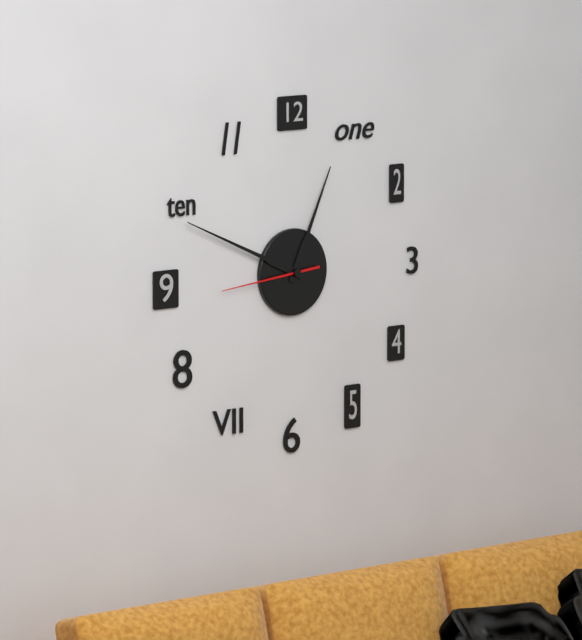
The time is 12h49m44s
